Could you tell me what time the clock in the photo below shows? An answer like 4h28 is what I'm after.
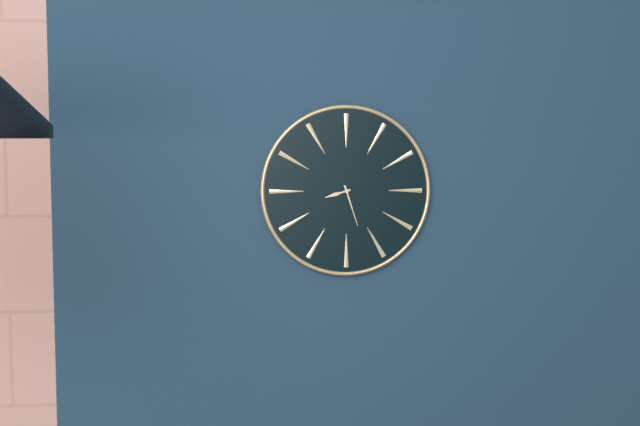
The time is 8h27
